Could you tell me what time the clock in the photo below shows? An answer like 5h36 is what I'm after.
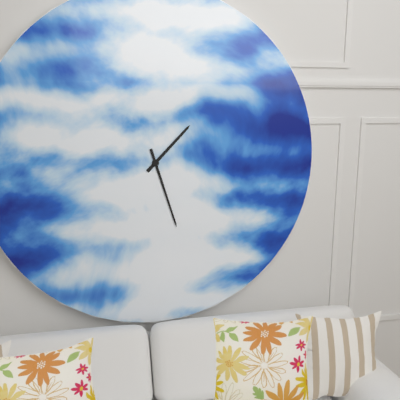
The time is 1h27
